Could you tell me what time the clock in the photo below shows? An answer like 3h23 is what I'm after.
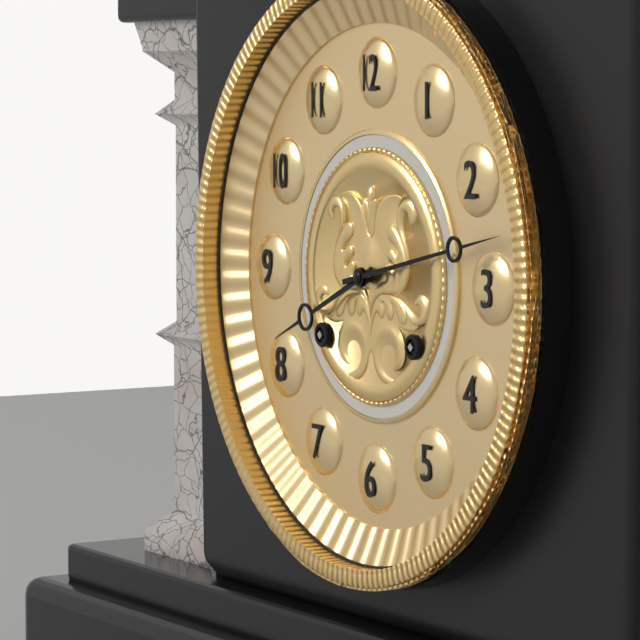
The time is 8h13
